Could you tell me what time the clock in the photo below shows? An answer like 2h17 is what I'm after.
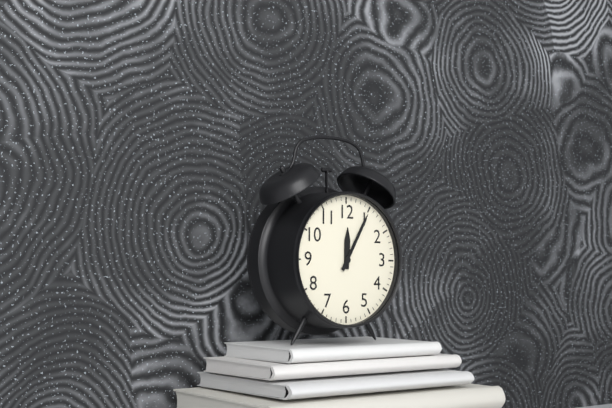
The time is 12h05
